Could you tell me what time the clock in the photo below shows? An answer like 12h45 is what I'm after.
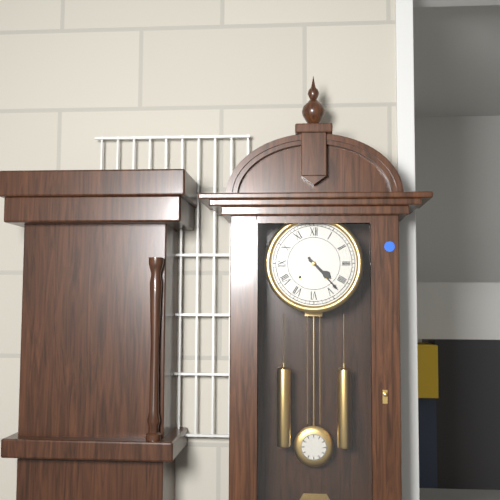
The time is 4h23
